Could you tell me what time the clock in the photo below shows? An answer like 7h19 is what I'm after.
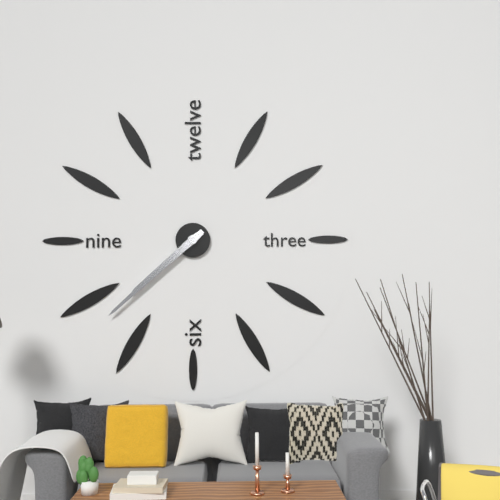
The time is 7h38
